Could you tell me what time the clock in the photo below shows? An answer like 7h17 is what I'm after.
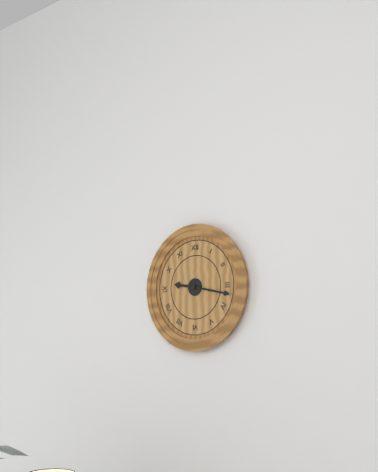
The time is 9h17
